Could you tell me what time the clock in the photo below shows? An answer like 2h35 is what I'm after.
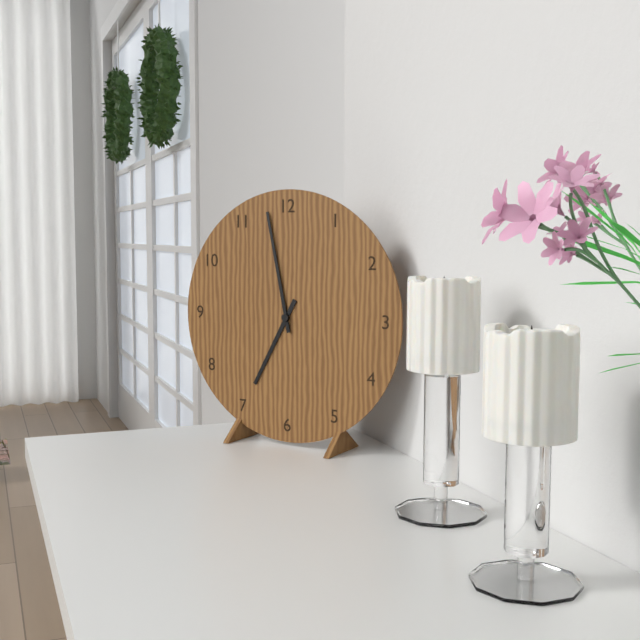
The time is 6h58
